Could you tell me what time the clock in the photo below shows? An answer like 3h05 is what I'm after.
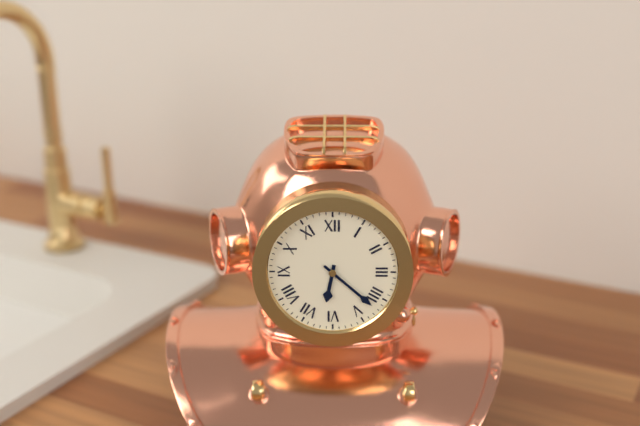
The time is 6h22
